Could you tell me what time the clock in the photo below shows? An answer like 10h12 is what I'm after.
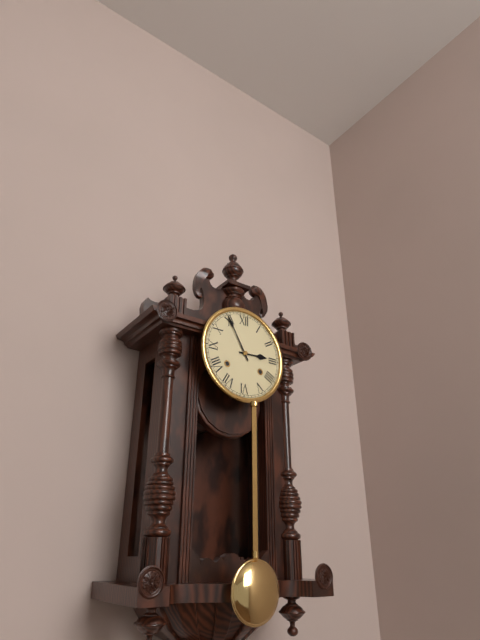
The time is 2h55
